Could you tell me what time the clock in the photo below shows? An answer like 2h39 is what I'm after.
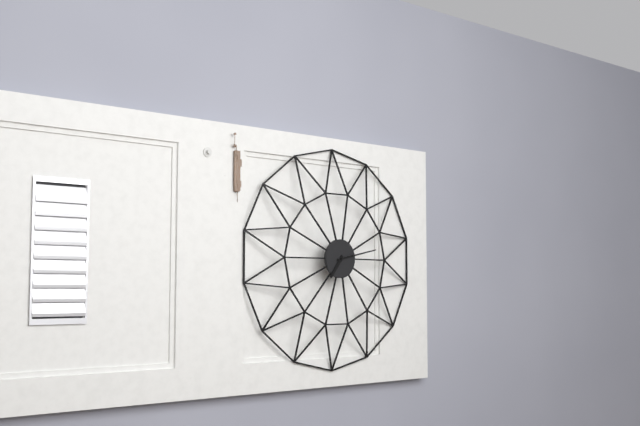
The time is 7h13
